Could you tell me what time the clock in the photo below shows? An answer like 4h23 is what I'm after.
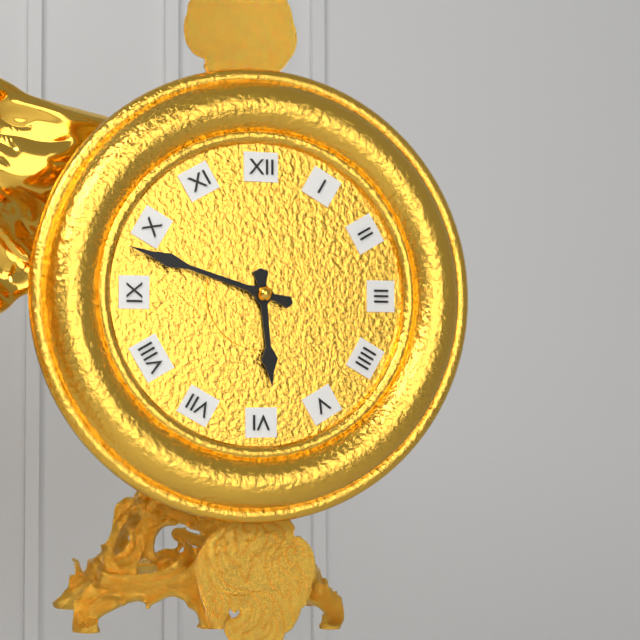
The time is 5h48
